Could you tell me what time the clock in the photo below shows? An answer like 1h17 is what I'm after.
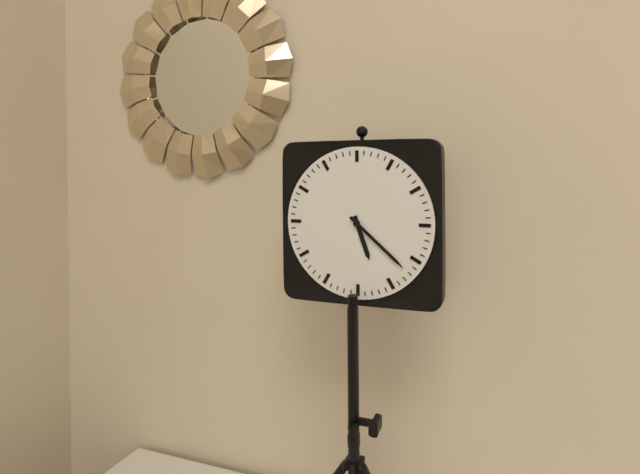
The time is 5h22
